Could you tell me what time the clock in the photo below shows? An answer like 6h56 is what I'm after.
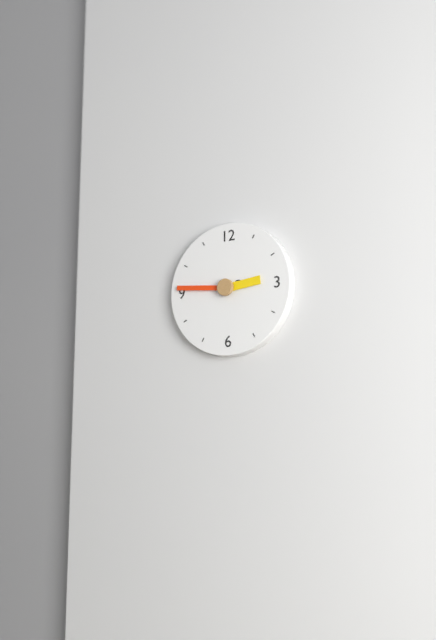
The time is 2h46
